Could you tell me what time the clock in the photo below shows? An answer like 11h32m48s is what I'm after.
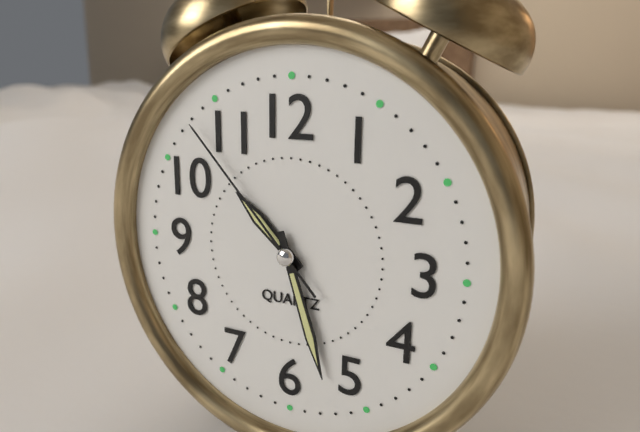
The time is 10h27m53s
